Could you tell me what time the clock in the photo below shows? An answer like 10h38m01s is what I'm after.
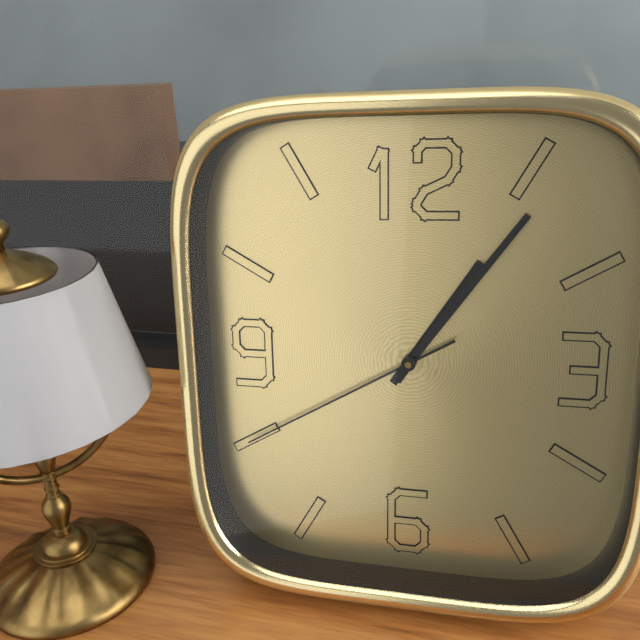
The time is 1h06m40s
